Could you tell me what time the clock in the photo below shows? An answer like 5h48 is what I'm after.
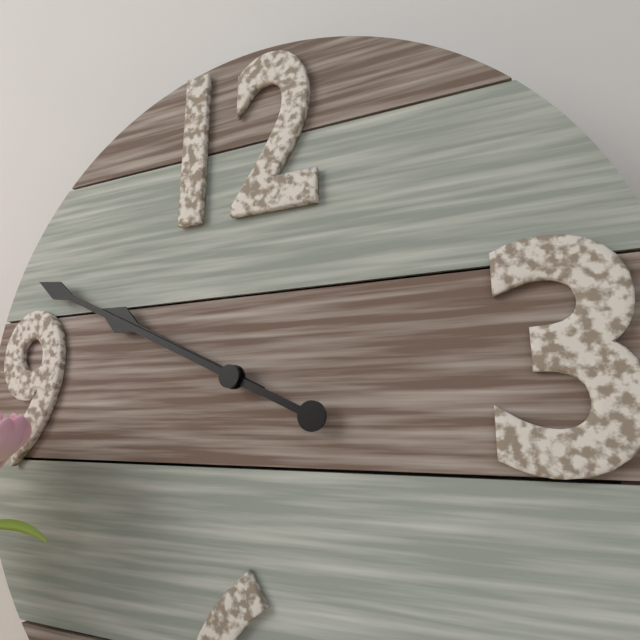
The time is 9h49
